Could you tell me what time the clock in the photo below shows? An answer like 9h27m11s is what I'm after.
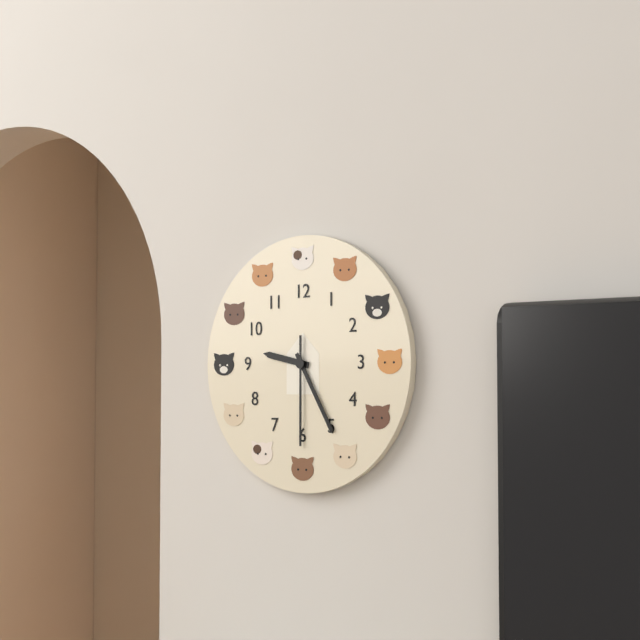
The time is 9h25m30s
